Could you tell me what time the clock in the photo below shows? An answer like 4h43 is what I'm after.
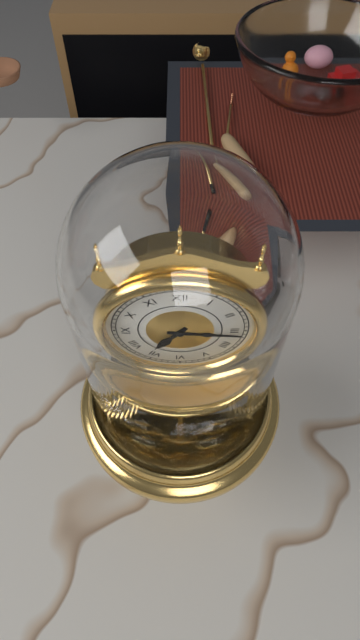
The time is 7h16
